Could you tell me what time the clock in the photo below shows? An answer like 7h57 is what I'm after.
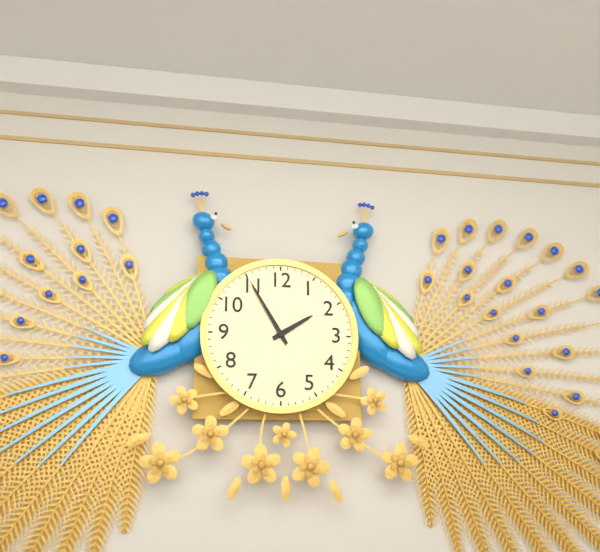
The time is 1h55
